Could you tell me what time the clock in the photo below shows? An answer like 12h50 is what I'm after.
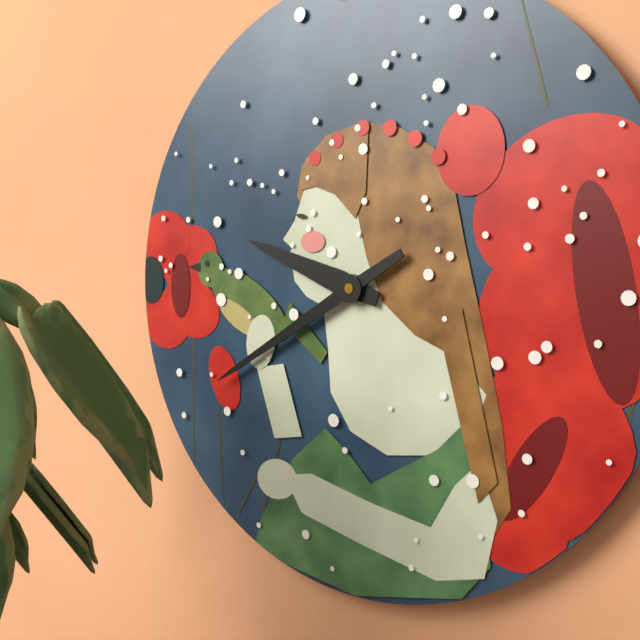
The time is 9h40
